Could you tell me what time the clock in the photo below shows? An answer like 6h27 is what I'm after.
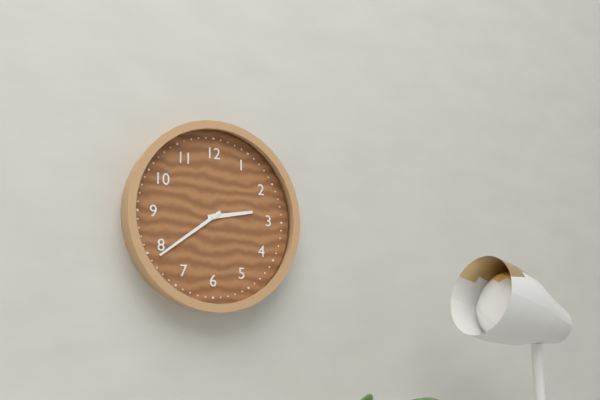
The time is 2h39
